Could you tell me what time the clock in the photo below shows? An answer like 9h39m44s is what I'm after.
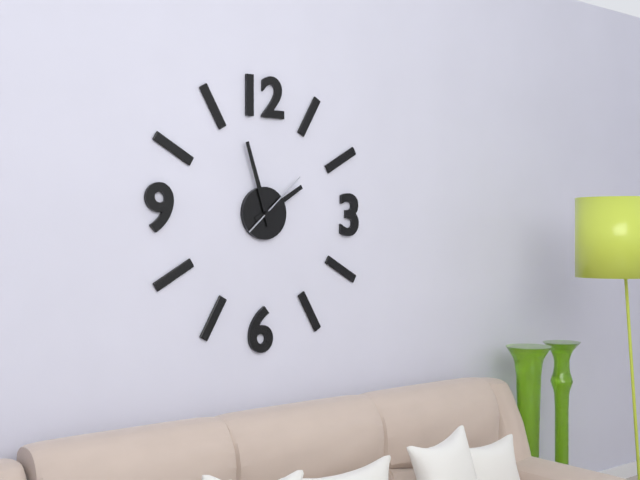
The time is 1h57m08s
